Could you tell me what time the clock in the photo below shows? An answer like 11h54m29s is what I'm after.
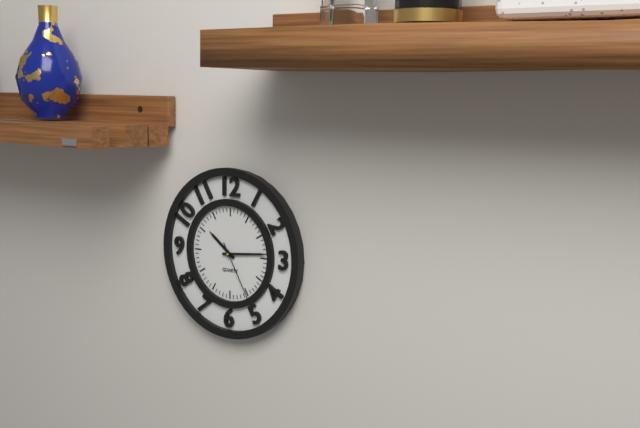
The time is 10h14m25s
